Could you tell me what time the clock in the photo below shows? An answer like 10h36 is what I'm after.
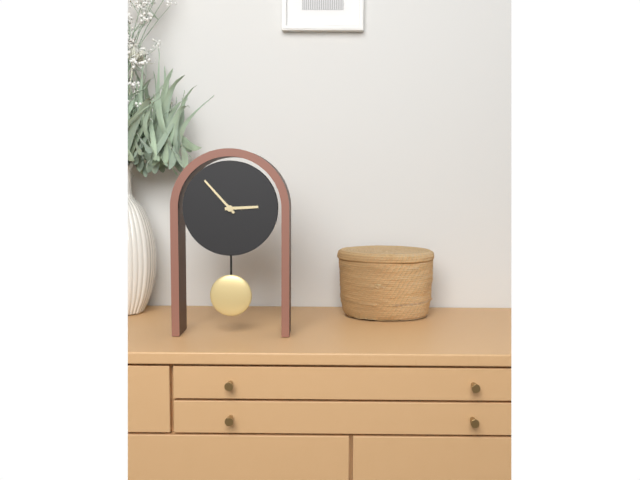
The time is 2h53
